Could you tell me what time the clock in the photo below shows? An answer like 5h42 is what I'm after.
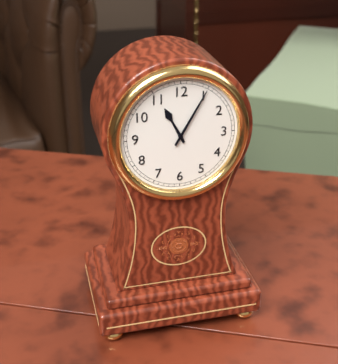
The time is 11h05
